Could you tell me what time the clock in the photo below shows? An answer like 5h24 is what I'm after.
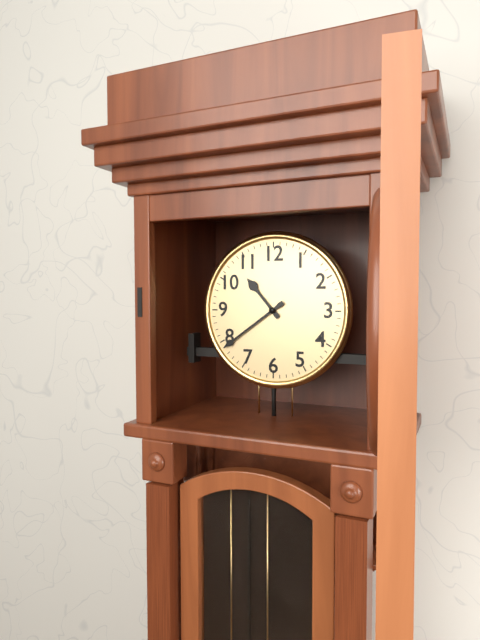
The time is 10h39
